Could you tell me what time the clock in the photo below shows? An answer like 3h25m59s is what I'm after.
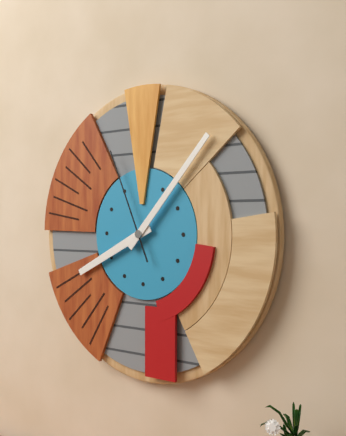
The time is 8h07m56s
